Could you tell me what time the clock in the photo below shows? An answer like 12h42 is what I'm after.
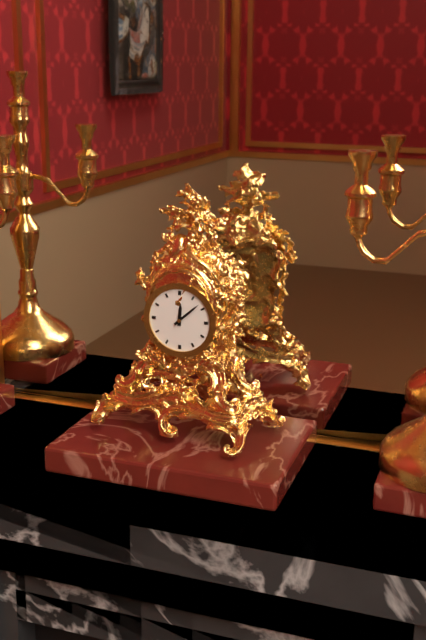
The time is 12h08
